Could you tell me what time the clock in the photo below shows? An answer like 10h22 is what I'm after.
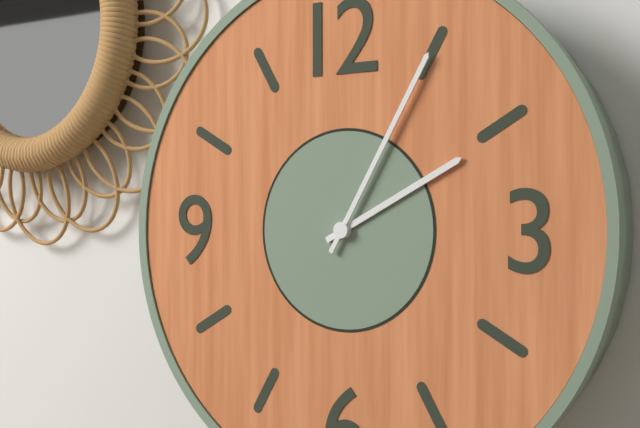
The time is 2h05
